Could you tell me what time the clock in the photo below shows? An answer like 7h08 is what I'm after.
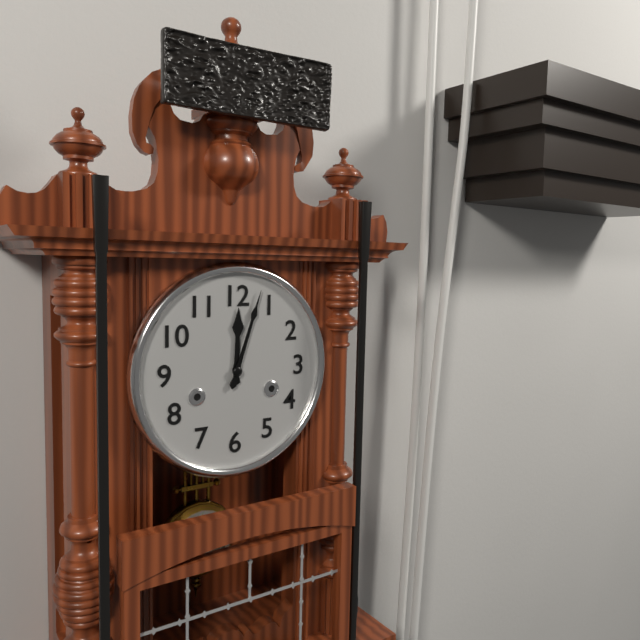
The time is 12h03
